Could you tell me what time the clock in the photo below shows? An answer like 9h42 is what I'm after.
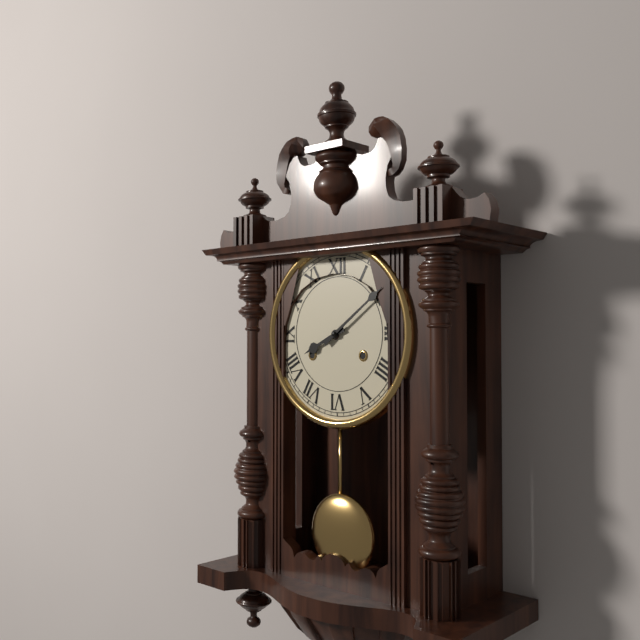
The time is 8h09
